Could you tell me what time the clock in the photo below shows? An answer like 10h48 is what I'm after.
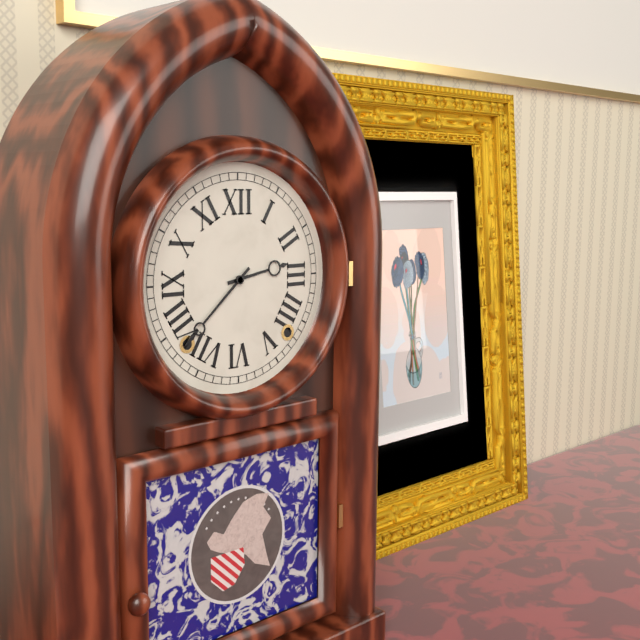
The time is 2h38
